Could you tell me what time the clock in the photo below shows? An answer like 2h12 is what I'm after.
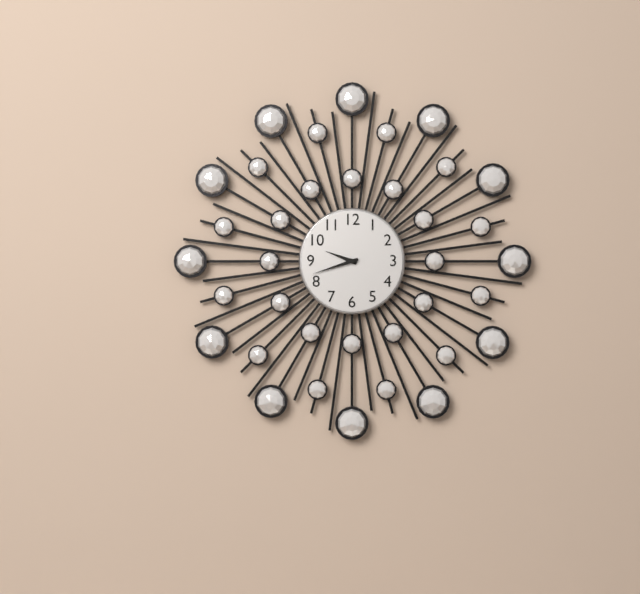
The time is 9h42
